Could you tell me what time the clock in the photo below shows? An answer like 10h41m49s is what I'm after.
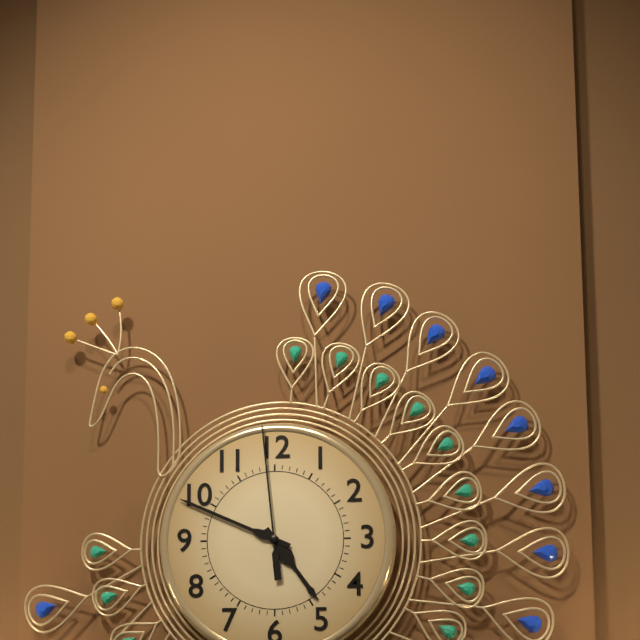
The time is 4h49m59s
